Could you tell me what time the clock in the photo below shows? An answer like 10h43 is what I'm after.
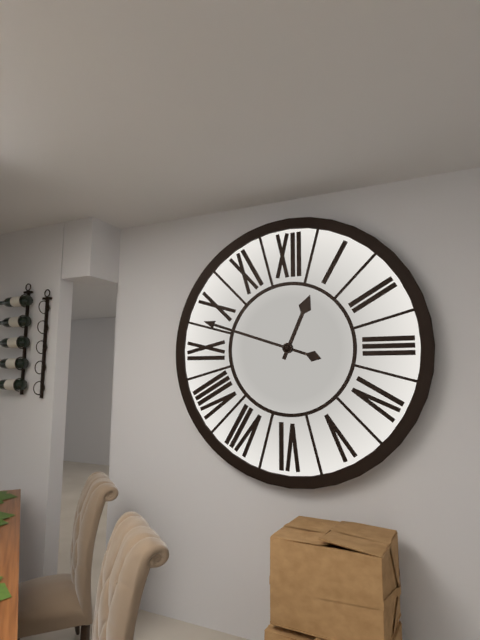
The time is 12h48
